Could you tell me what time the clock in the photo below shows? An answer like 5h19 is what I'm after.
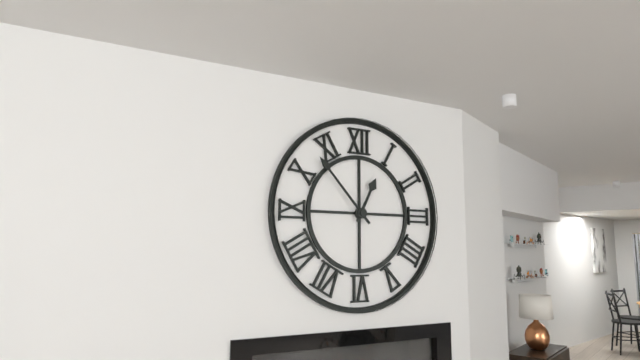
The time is 12h53
